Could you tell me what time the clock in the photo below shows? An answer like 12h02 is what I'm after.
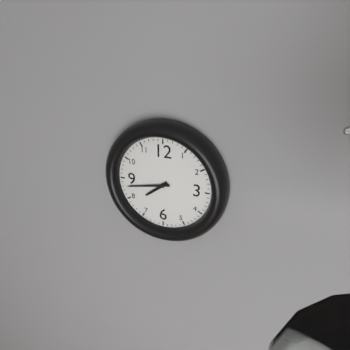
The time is 7h43
